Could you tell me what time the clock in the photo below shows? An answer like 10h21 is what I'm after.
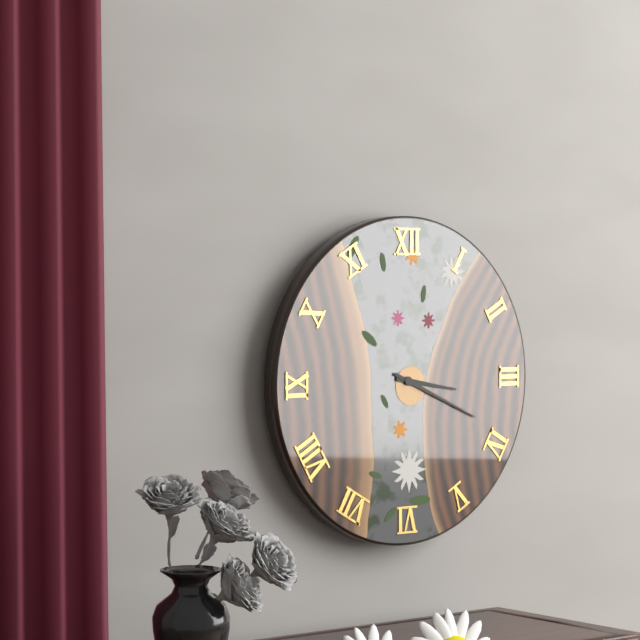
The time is 3h19
